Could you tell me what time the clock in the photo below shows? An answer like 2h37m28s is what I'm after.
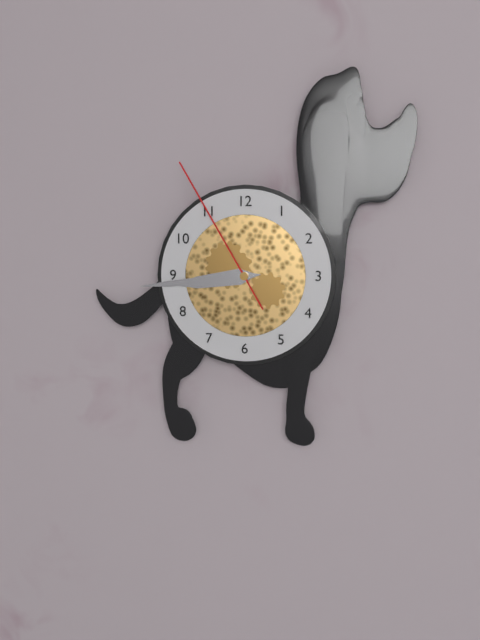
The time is 8h44m55s
